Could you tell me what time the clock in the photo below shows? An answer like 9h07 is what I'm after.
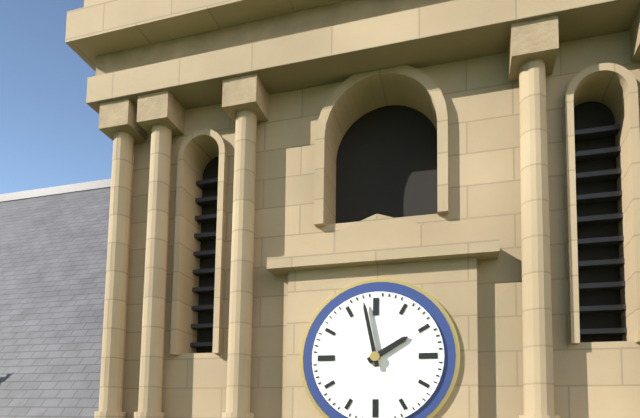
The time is 1h58
